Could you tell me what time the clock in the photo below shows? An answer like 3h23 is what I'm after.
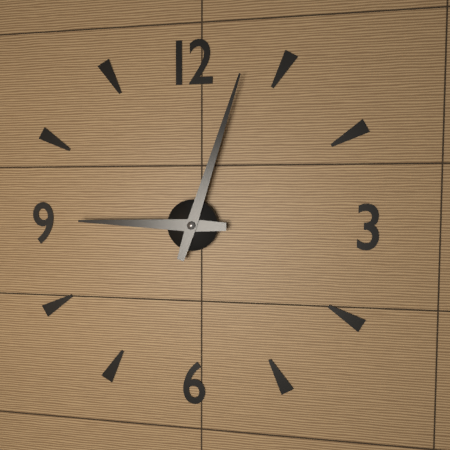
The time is 9h03
